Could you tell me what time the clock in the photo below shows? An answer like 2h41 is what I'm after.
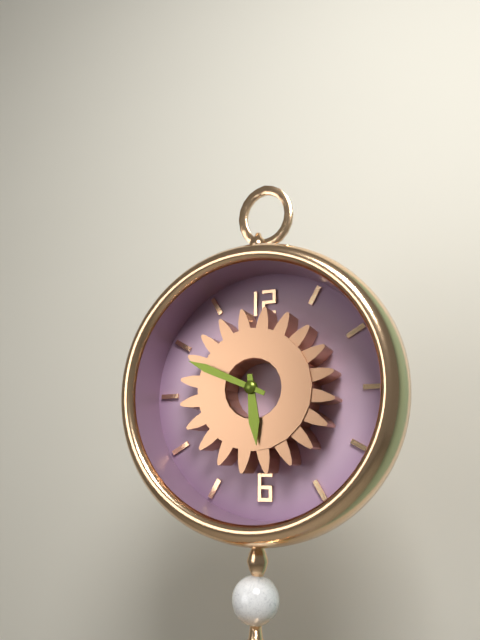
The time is 5h49
